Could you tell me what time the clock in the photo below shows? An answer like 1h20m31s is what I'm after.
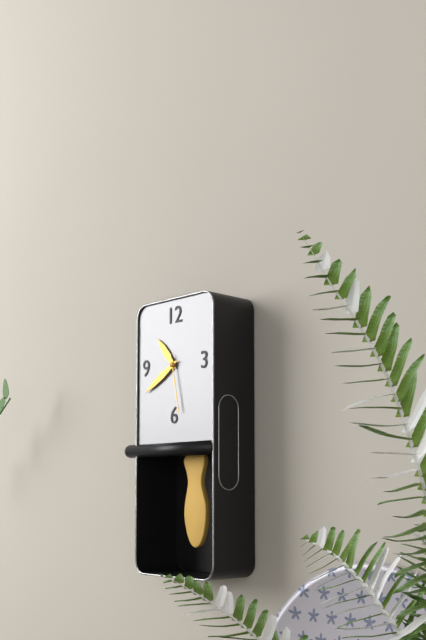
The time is 10h40m28s
